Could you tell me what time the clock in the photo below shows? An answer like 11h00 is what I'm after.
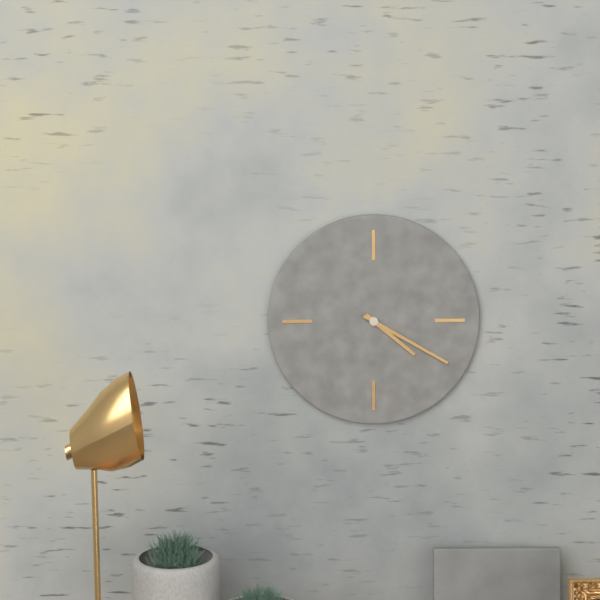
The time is 4h20
